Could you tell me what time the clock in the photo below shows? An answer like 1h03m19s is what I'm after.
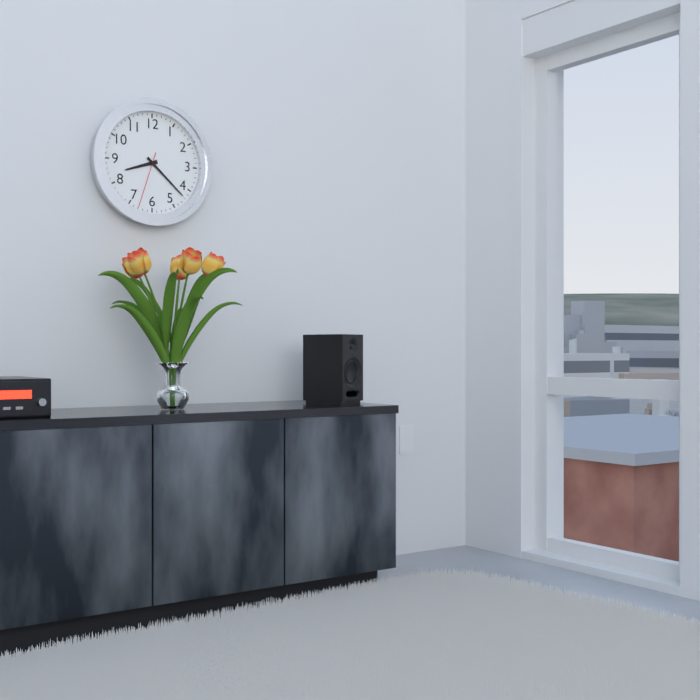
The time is 8h22m33s
